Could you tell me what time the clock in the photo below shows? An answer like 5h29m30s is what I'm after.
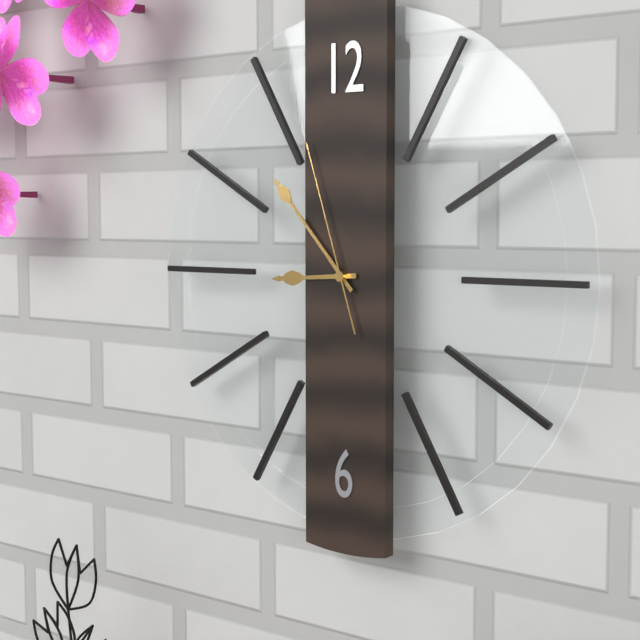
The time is 8h53m57s
